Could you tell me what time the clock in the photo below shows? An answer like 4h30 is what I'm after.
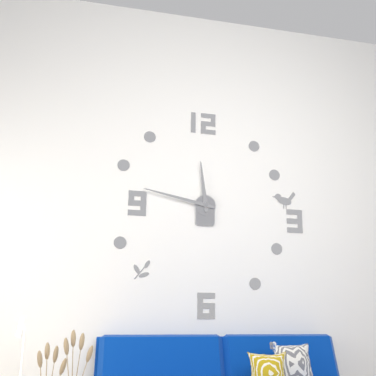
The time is 11h47
